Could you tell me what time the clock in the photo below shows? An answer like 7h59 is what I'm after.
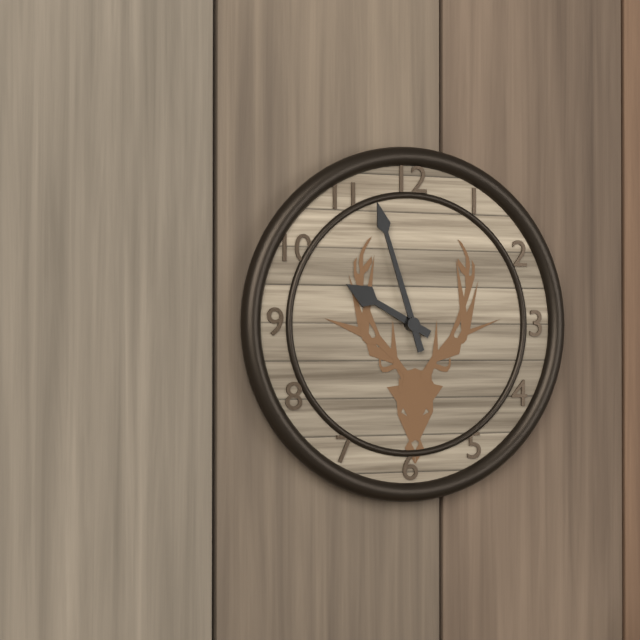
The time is 9h57
